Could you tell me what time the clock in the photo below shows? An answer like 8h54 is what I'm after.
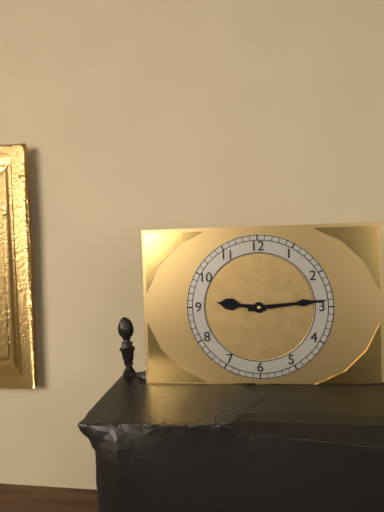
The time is 9h14
